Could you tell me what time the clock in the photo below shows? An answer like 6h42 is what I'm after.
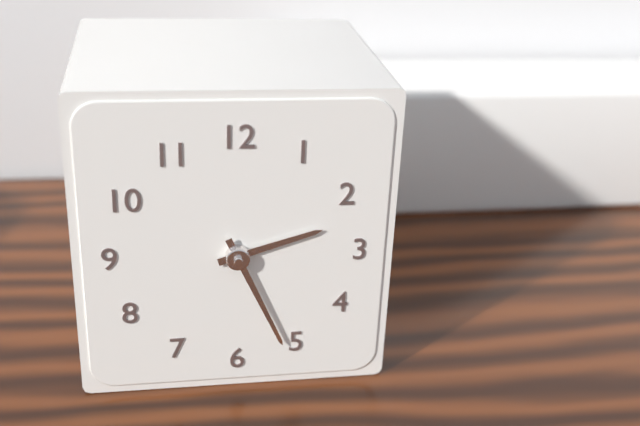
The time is 2h26
